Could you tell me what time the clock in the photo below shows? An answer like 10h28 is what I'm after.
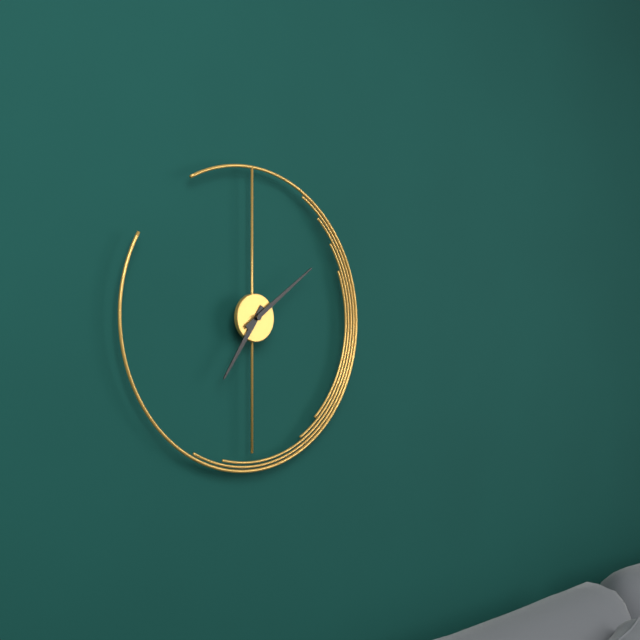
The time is 7h09
